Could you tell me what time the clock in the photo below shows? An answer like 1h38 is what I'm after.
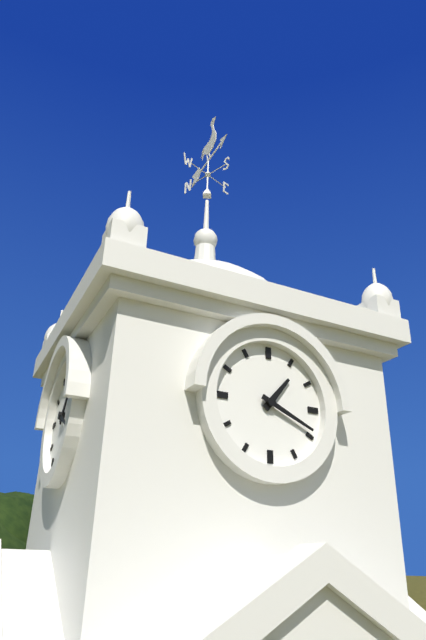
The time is 1h19
